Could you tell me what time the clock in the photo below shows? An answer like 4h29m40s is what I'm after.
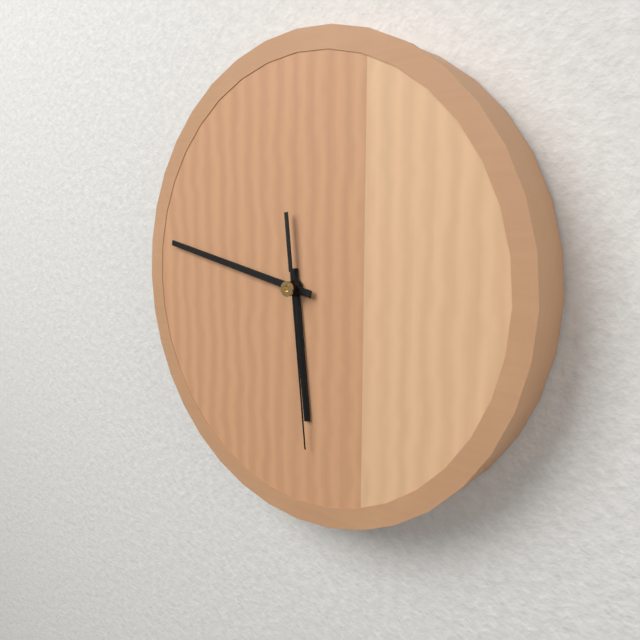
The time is 5h47m29s
